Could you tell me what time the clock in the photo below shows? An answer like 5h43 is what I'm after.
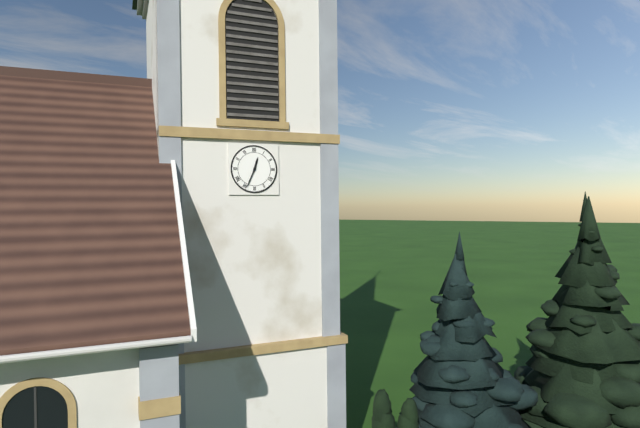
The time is 12h34
